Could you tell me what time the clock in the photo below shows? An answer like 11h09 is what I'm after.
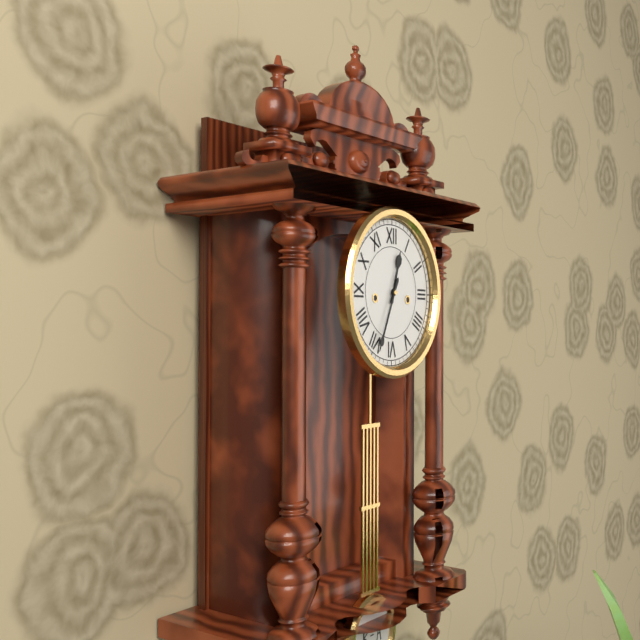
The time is 12h34
